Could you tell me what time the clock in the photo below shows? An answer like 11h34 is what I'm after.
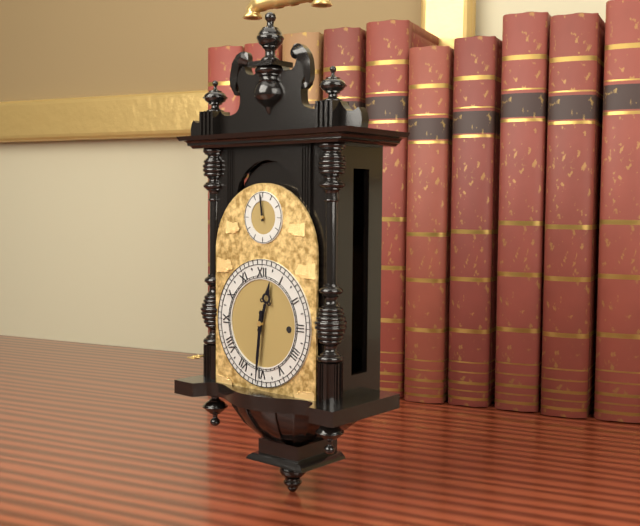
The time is 12h31
